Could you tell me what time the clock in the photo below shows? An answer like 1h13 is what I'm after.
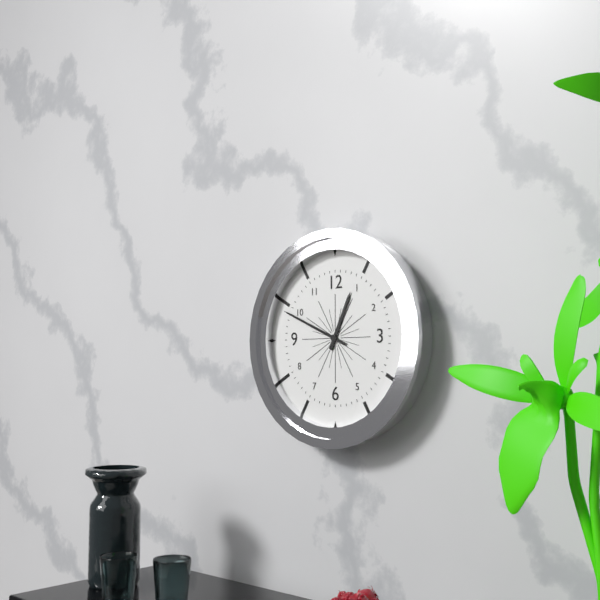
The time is 12h49
